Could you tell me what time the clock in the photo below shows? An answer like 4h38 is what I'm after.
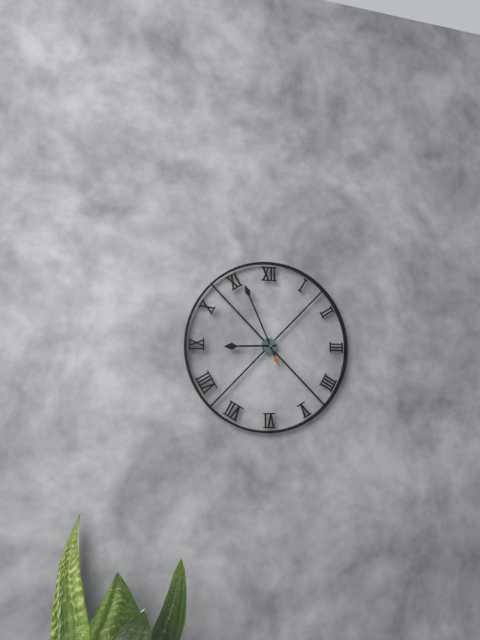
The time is 8h56
